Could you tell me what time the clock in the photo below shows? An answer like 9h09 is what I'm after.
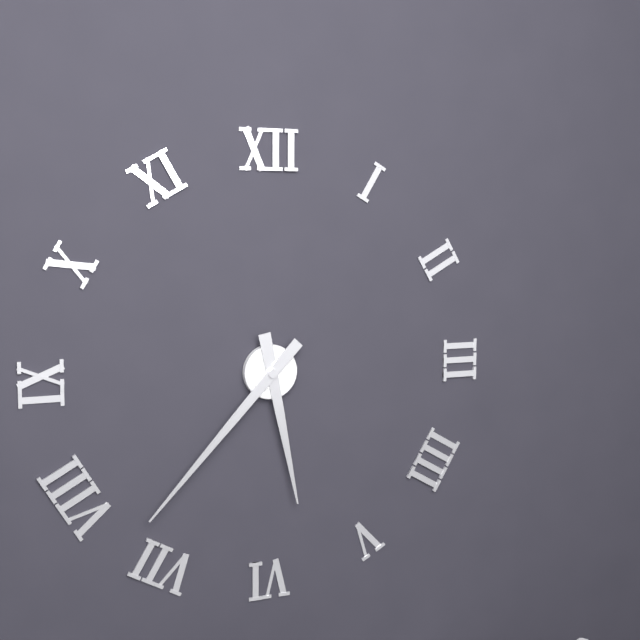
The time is 5h37
